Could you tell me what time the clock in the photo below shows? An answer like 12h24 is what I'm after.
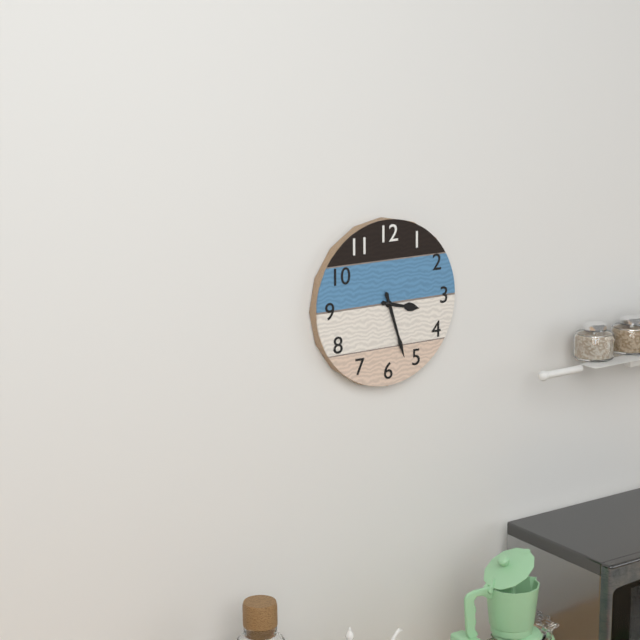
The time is 3h27
